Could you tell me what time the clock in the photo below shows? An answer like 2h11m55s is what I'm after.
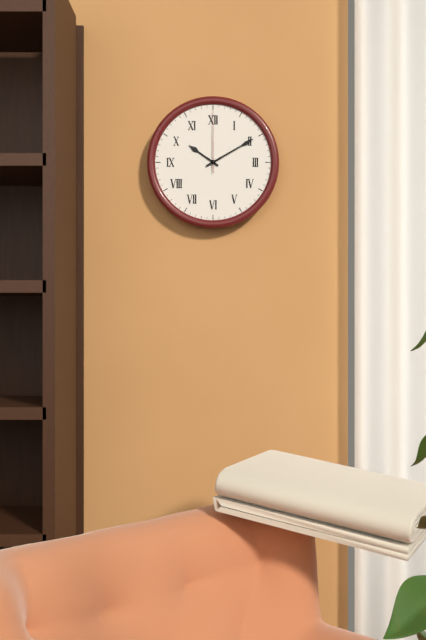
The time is 10h10m00s
